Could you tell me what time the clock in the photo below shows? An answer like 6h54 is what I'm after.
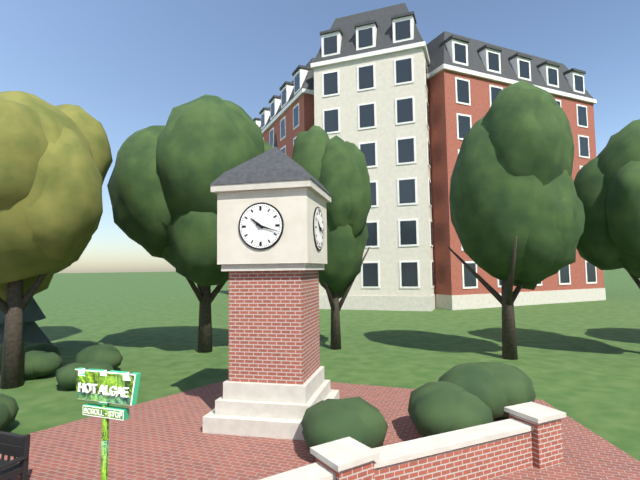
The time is 10h18
